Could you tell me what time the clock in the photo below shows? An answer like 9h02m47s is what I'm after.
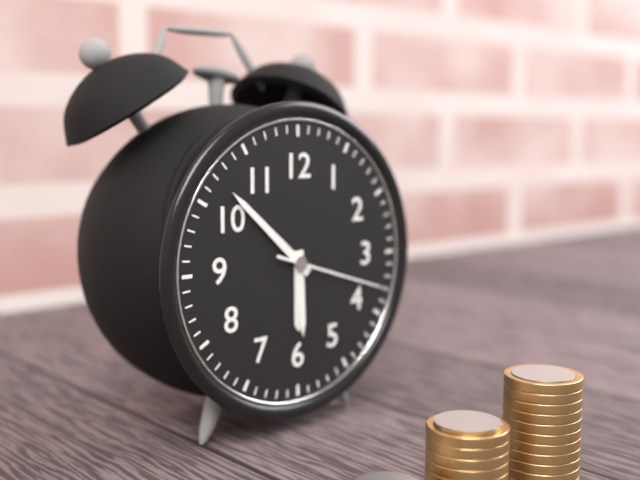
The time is 5h52m18s
